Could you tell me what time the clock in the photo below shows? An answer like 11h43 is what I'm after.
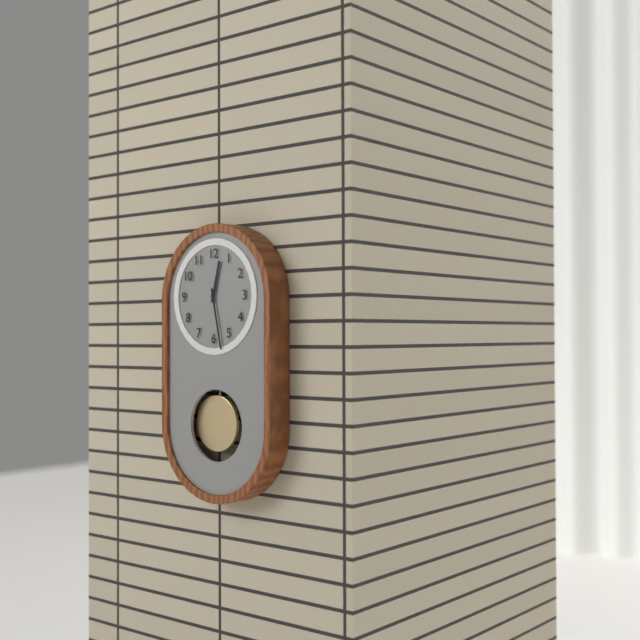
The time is 12h28
